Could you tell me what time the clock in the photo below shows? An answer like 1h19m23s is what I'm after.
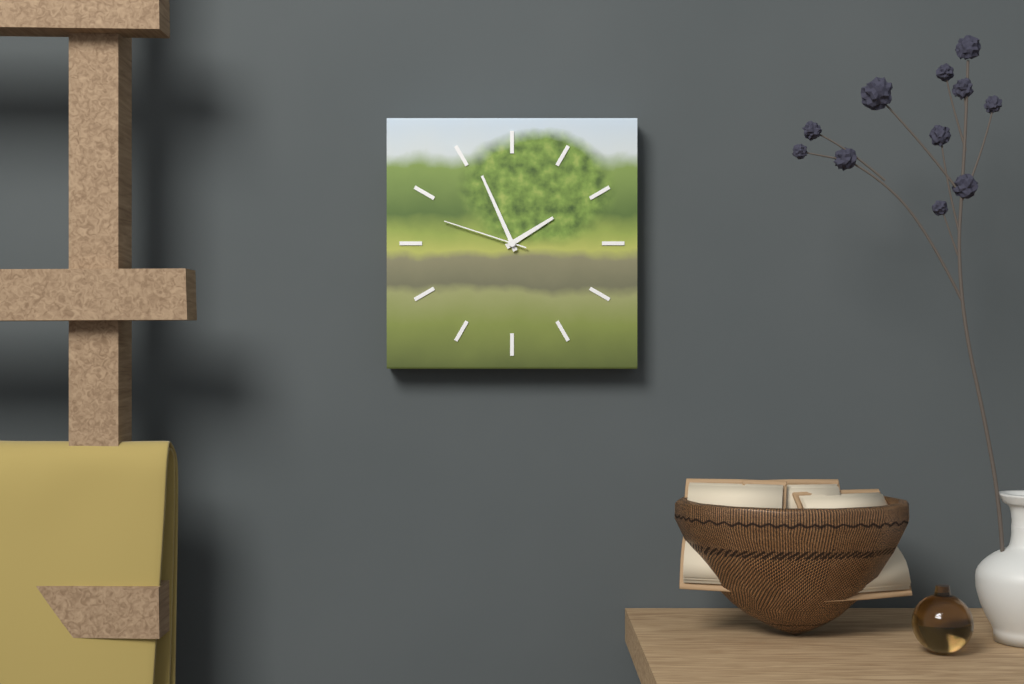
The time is 1h56m48s
